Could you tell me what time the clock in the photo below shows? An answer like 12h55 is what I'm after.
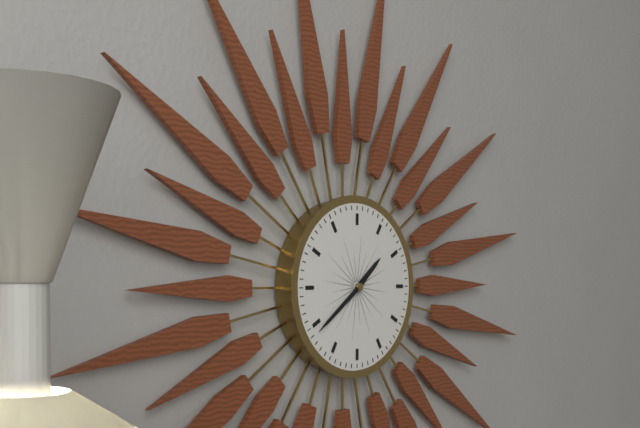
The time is 1h39
